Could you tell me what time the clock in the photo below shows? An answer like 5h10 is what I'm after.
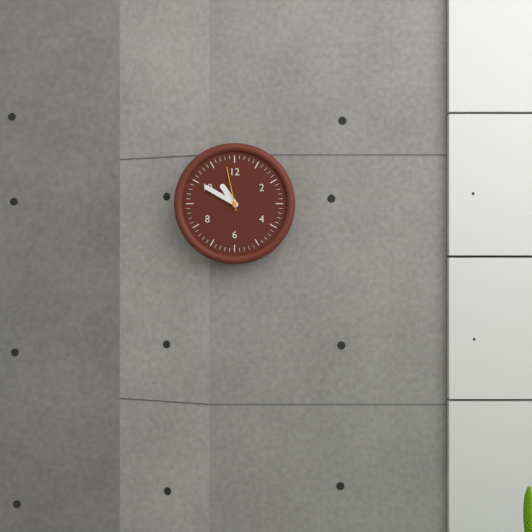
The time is 10h50
